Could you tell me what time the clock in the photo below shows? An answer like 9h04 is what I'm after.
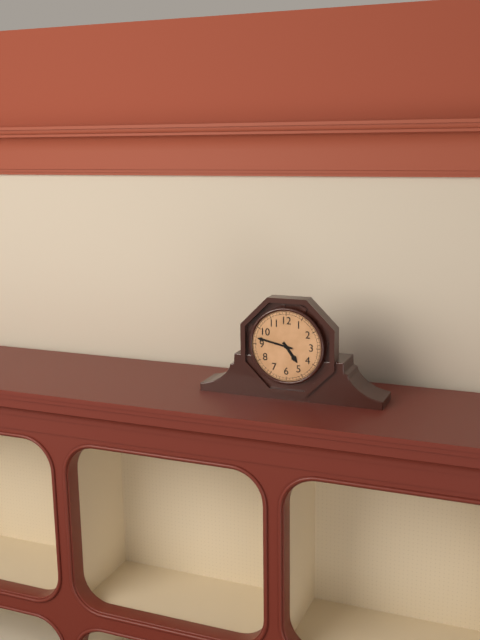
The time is 4h47
